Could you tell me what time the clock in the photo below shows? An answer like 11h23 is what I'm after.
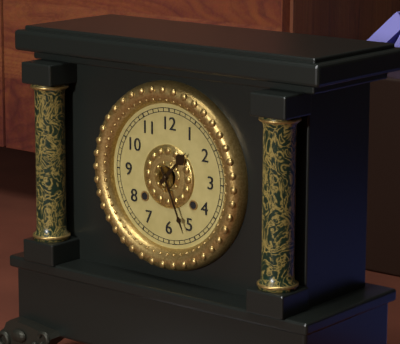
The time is 1h26
